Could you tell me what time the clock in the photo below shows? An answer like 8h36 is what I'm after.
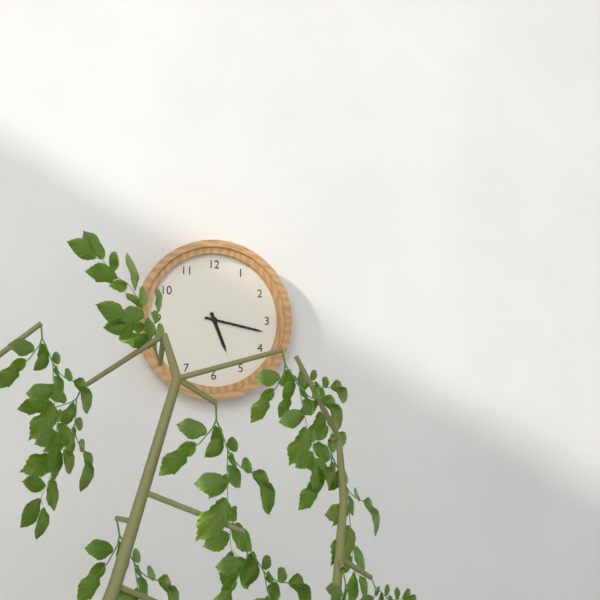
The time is 5h17
